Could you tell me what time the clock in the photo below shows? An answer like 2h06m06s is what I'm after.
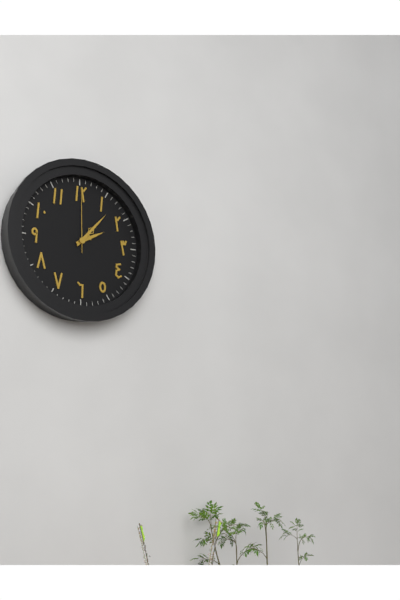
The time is 2h07m00s
